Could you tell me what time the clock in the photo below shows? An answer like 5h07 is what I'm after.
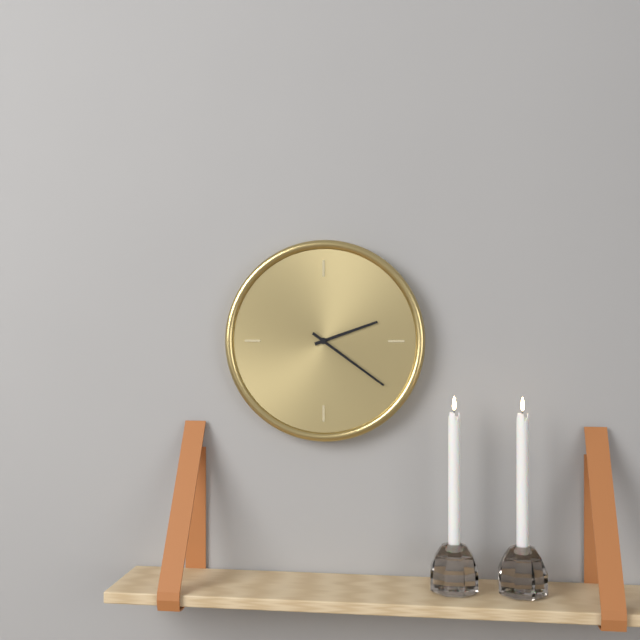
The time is 2h21
